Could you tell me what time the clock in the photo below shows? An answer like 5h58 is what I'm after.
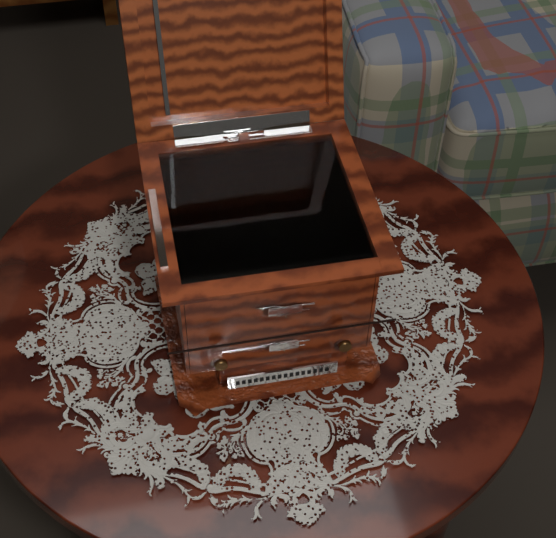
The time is 8h07
